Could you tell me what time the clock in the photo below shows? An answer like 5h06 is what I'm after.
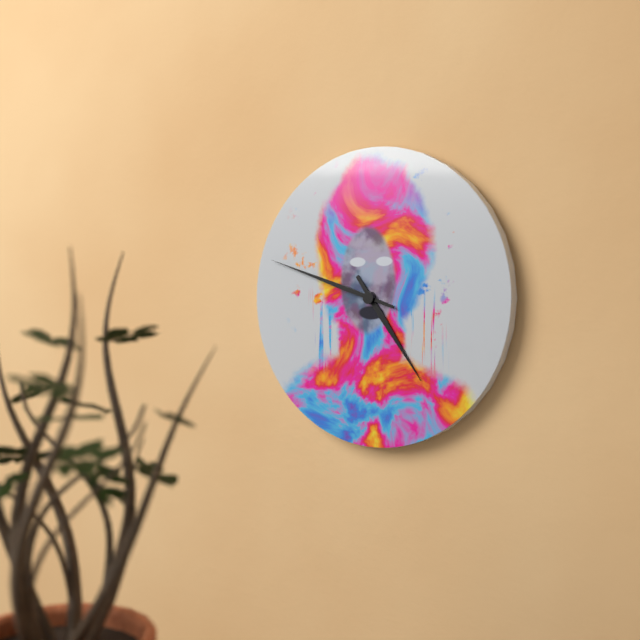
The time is 4h48
